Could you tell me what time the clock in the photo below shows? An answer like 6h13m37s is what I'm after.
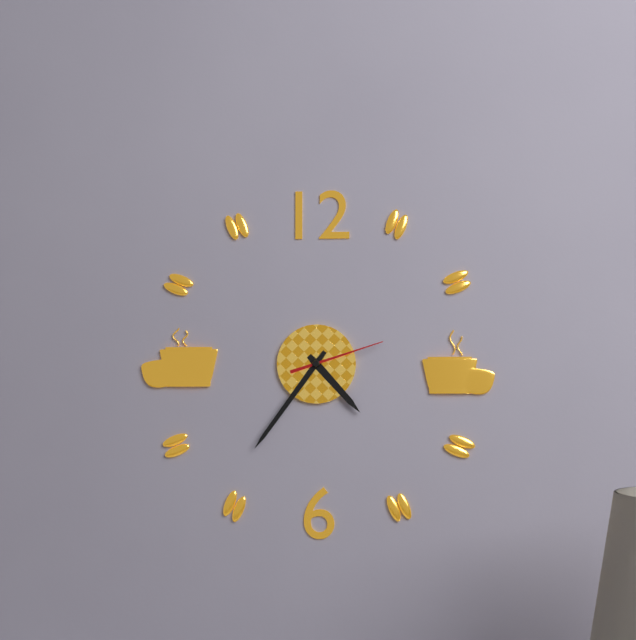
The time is 4h36m12s
